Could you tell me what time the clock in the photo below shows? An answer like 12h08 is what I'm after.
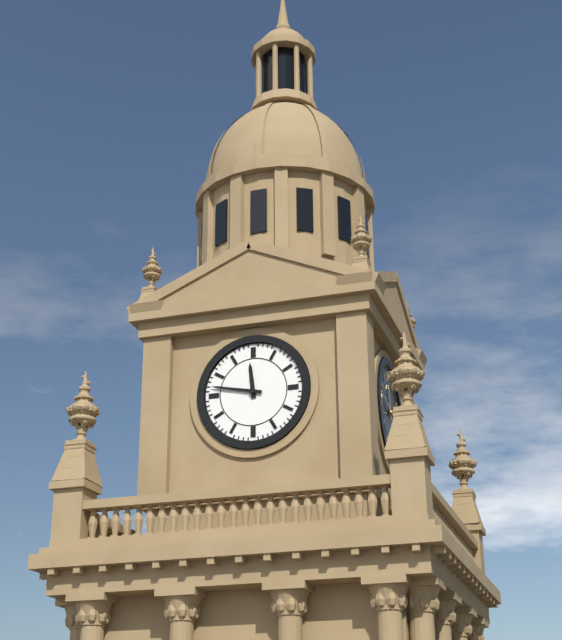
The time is 11h47
